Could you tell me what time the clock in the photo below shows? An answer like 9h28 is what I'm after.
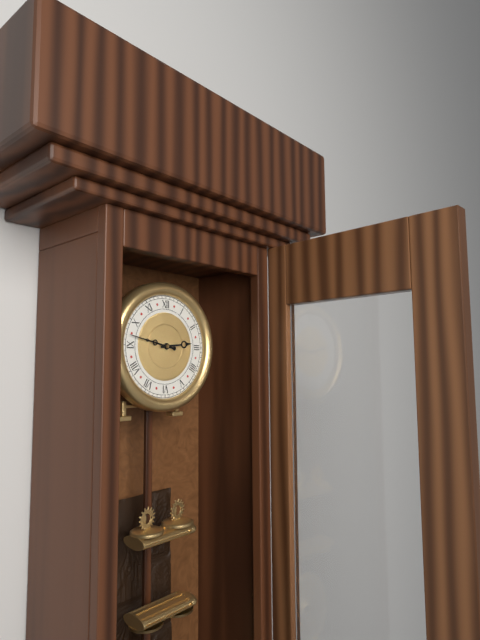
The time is 2h47
